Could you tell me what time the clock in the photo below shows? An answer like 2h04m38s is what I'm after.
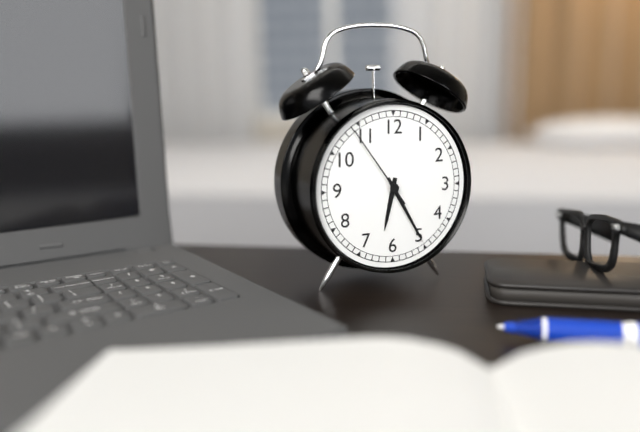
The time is 6h25m54s
